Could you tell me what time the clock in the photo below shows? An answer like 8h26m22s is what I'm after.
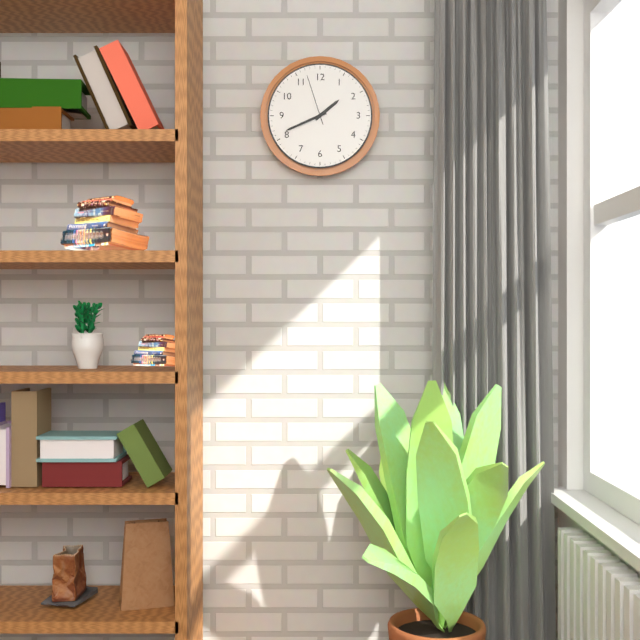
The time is 1h41m57s
